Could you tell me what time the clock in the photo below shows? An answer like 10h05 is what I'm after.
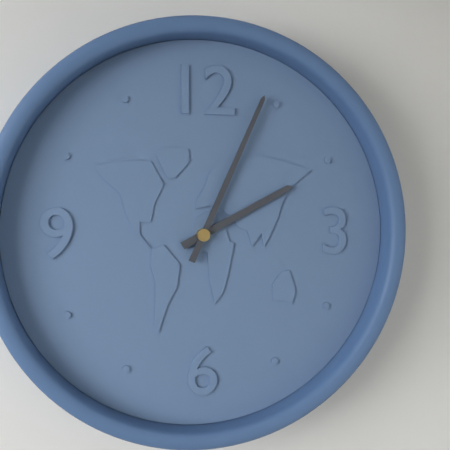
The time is 2h04
